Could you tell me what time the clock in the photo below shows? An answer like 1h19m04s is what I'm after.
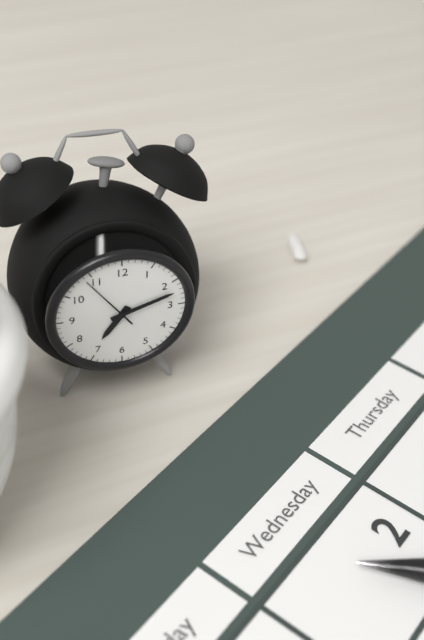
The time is 7h12m54s
